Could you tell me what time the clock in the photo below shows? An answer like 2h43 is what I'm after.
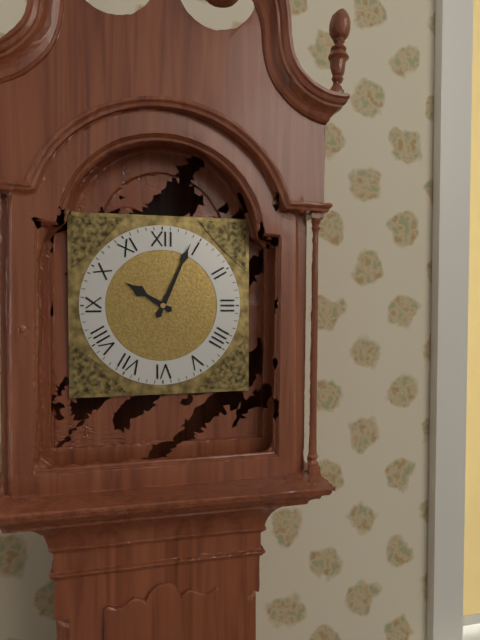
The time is 10h04
